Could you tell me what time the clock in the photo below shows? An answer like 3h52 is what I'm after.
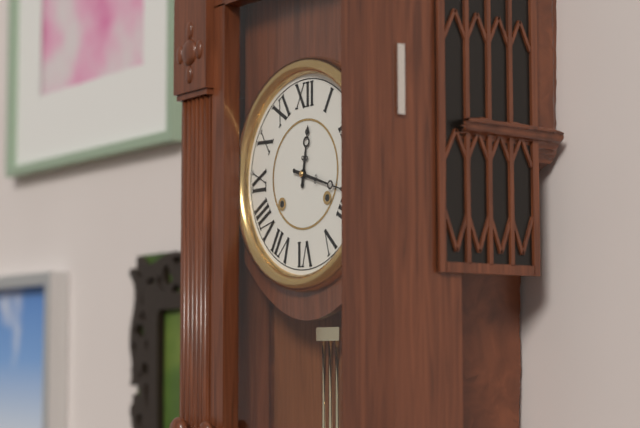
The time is 12h18
